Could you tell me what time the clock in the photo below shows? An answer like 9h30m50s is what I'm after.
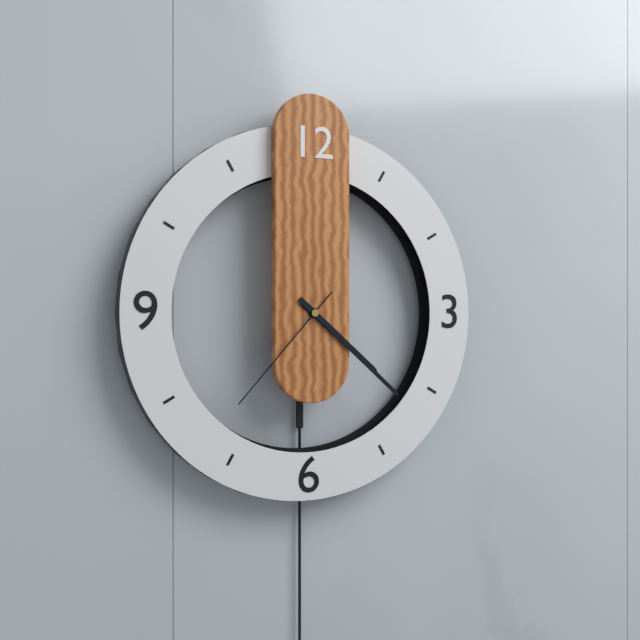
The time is 4h22m37s
